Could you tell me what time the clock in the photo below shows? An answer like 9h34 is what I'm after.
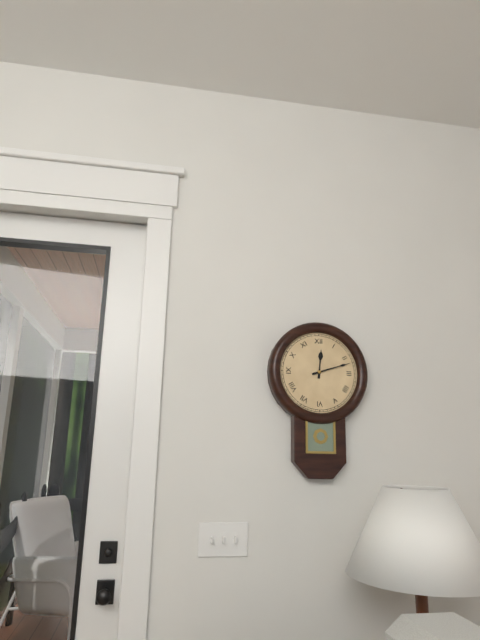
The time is 12h12
